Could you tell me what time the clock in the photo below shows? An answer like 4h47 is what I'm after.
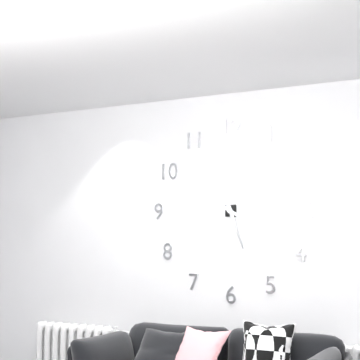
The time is 5h20
